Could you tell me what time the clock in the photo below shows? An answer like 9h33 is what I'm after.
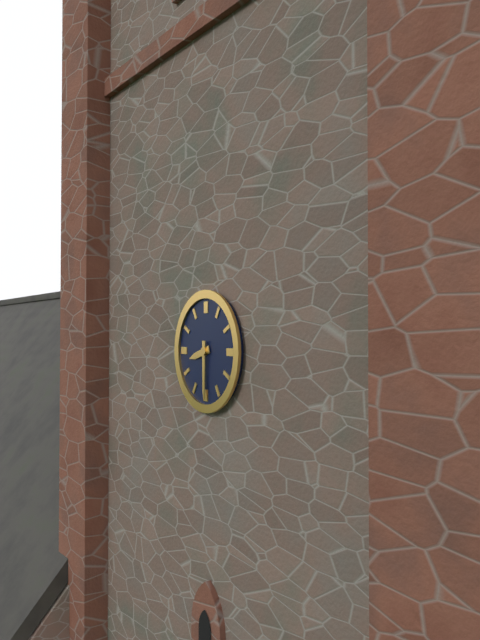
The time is 8h30
